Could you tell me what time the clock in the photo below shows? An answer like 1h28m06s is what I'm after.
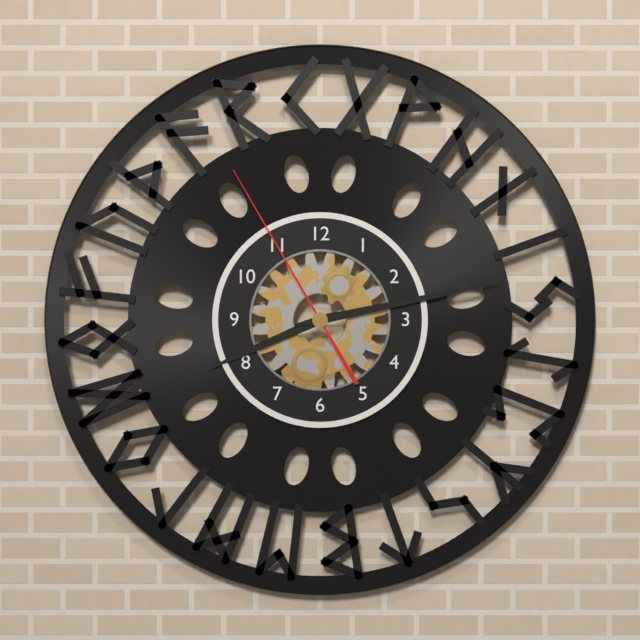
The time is 8h13m55s
